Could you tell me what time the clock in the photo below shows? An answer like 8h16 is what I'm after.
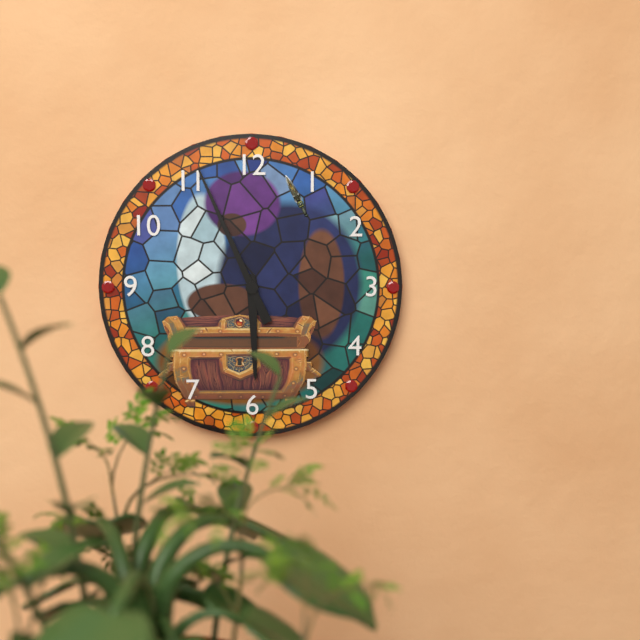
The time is 5h56
